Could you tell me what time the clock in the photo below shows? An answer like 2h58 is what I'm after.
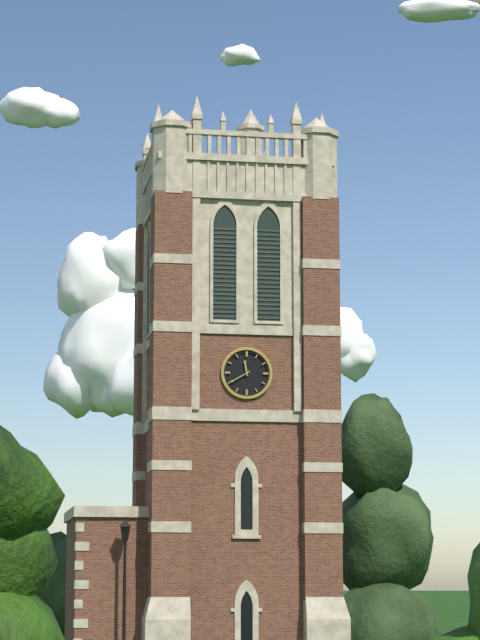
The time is 11h40
